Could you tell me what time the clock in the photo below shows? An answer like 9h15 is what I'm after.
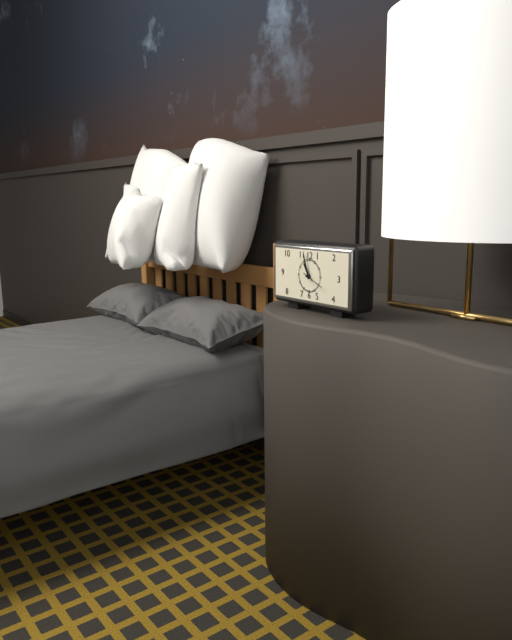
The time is 10h57
